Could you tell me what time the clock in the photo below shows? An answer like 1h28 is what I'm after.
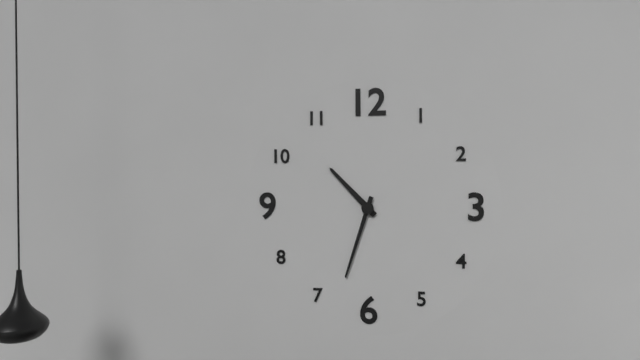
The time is 10h33
